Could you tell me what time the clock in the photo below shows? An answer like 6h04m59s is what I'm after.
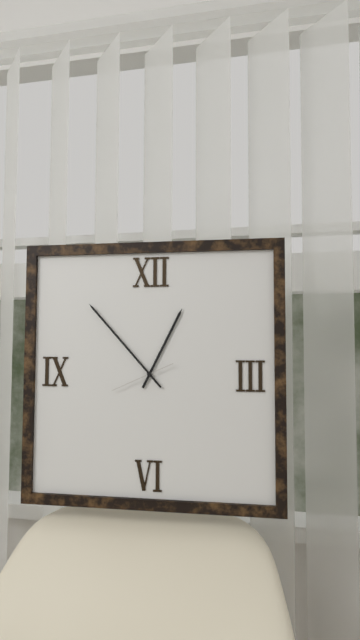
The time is 12h53m41s
